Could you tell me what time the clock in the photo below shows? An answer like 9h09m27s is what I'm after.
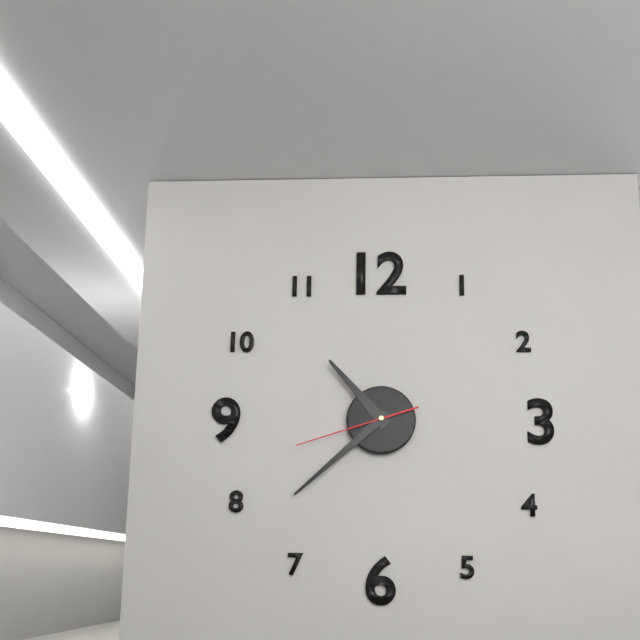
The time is 10h38m42s
